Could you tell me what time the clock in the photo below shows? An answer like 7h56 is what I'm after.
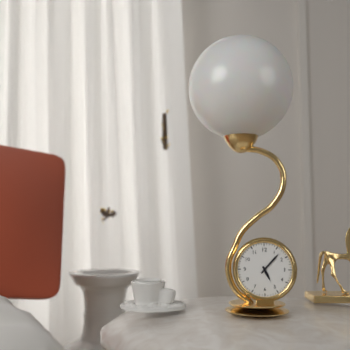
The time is 5h07
